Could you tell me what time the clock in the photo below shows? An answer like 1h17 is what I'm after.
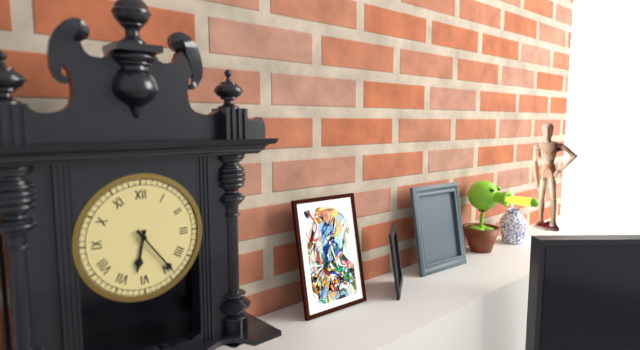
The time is 6h24
